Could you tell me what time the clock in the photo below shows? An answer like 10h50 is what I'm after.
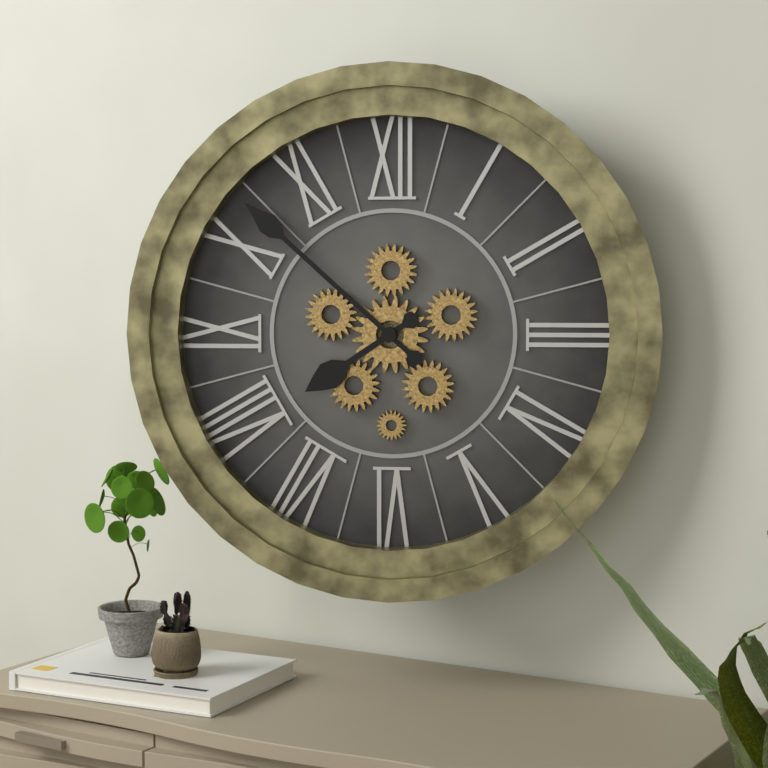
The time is 7h52
